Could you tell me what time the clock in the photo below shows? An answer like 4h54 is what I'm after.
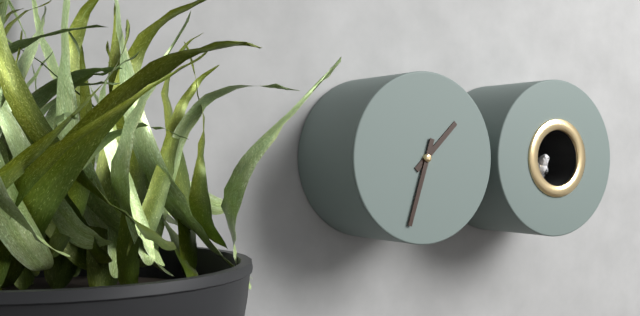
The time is 1h33
